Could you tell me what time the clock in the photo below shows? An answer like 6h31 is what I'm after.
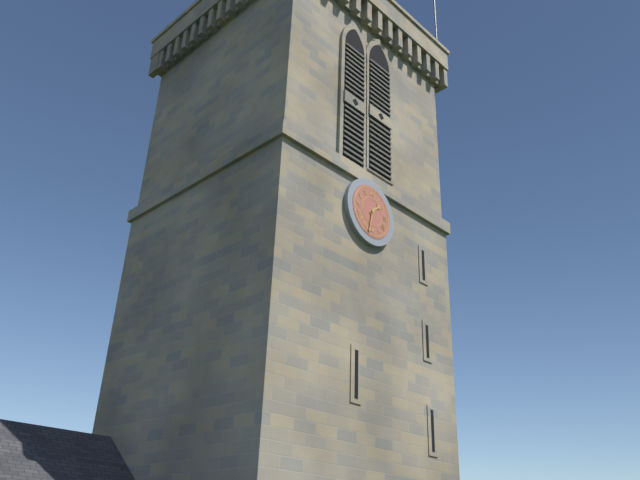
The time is 1h32
